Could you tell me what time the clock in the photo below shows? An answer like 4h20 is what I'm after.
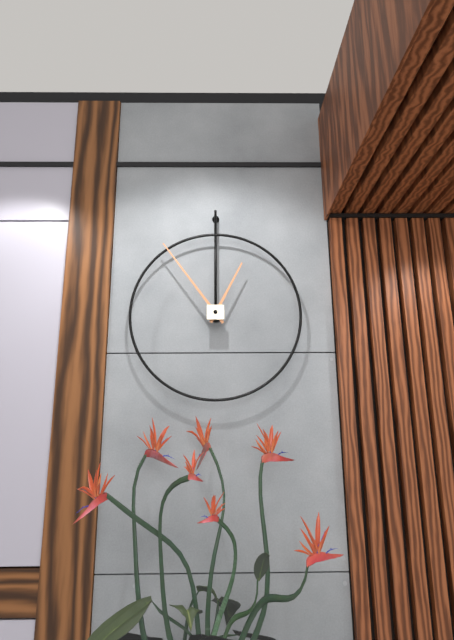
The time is 12h54
